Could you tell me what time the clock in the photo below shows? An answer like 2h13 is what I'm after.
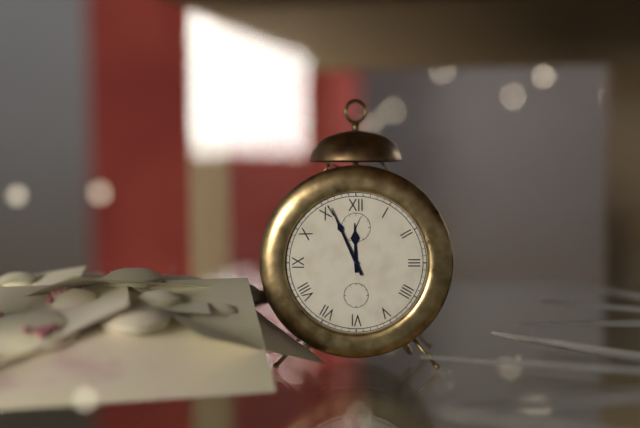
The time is 11h56
